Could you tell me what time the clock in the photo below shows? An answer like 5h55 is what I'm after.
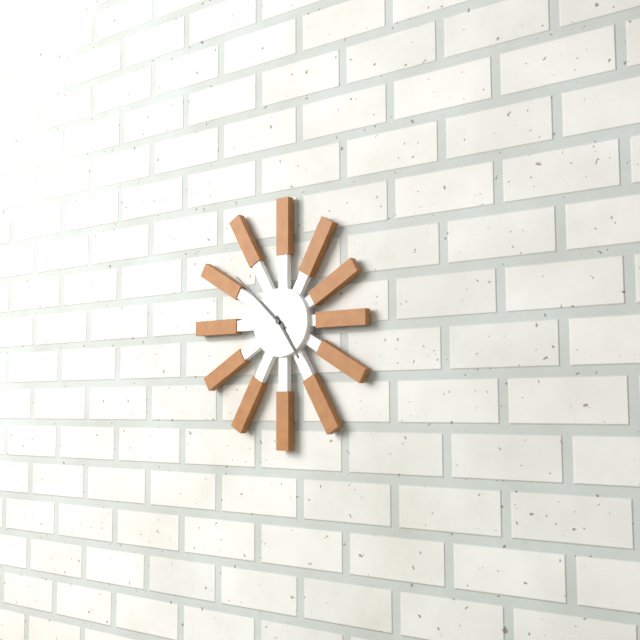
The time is 4h52
